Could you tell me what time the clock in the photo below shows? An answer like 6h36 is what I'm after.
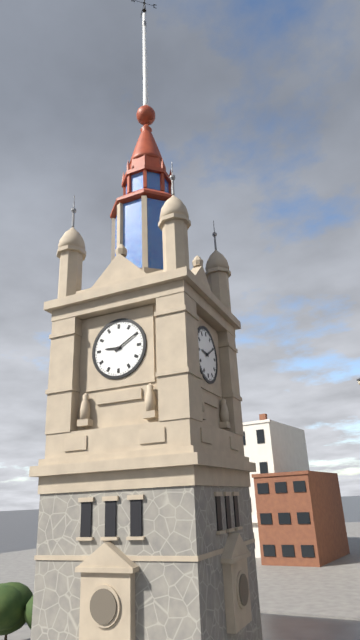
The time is 9h10
